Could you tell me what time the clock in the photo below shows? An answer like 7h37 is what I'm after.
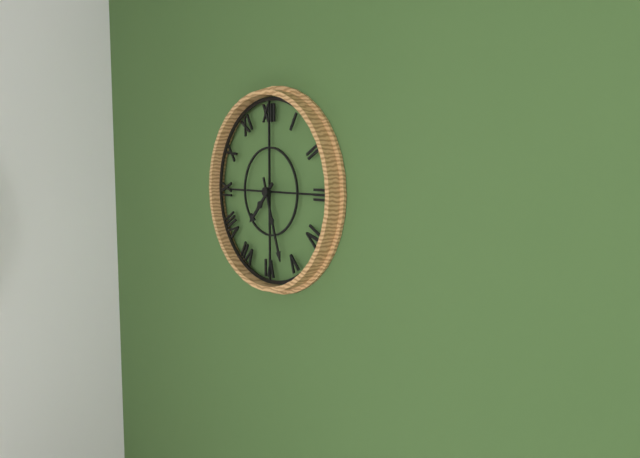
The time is 7h27
